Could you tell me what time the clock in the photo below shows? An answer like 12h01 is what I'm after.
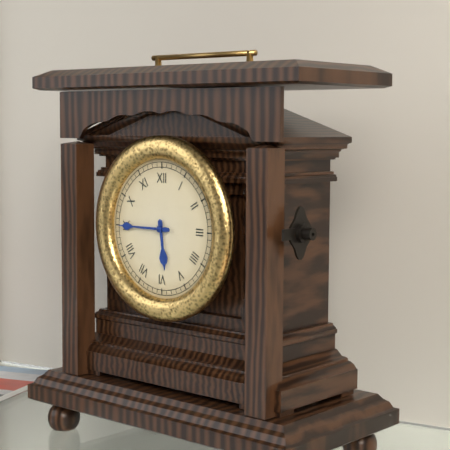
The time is 5h45
